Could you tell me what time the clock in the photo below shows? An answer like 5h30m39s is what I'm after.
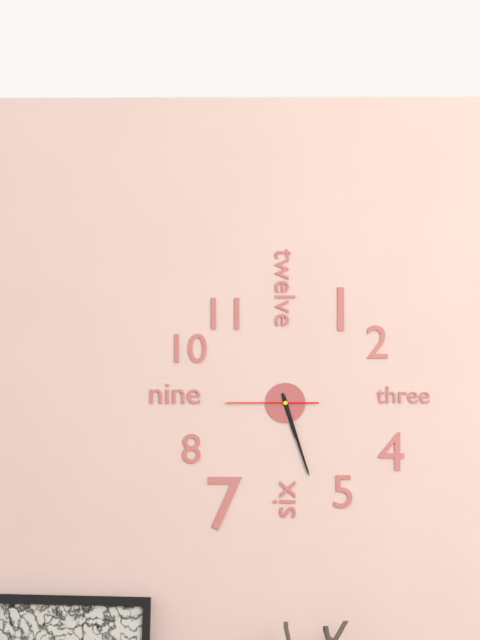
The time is 5h27m45s
